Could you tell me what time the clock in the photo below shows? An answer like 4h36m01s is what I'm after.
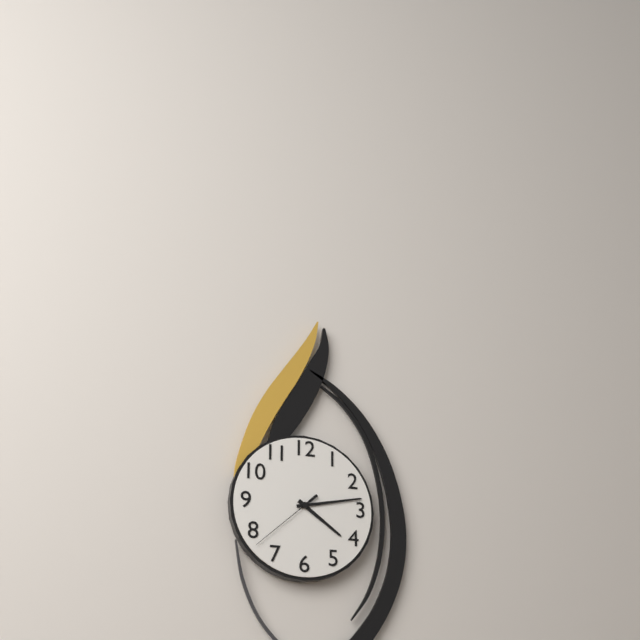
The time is 4h13m38s
